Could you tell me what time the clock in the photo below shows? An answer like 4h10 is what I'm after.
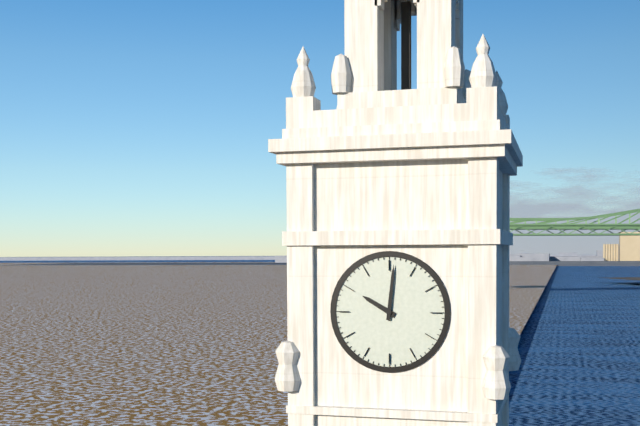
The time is 10h01
